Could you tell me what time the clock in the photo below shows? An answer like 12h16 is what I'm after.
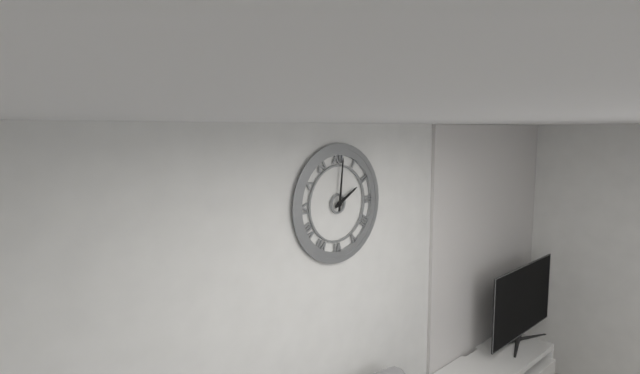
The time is 2h01
